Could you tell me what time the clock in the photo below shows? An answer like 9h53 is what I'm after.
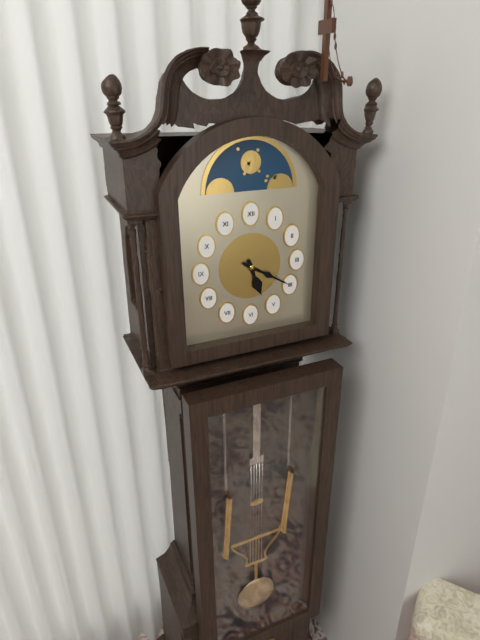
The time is 5h20
